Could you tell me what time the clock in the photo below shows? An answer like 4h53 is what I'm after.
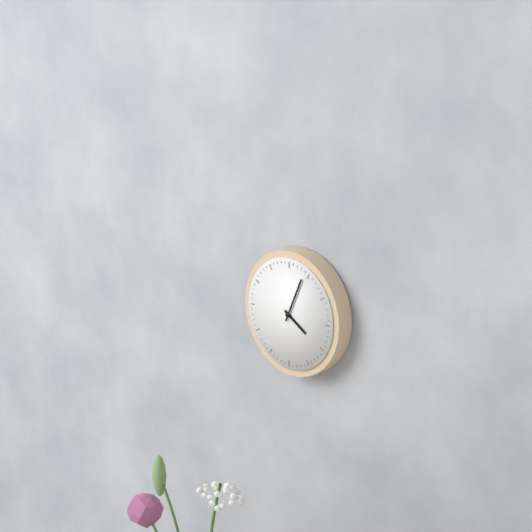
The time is 4h04
